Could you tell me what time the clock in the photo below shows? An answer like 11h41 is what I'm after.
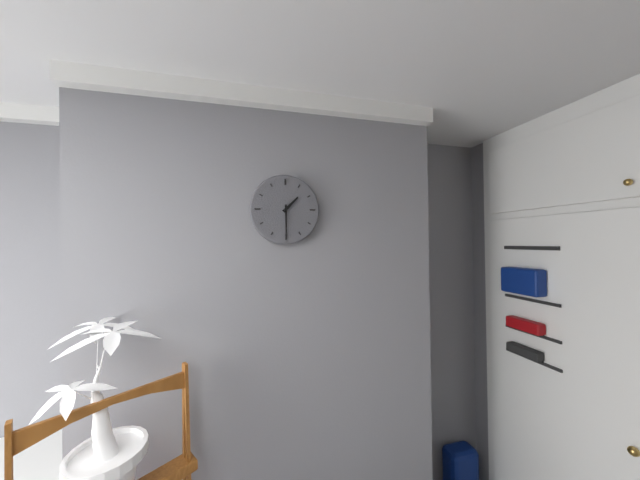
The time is 1h30
